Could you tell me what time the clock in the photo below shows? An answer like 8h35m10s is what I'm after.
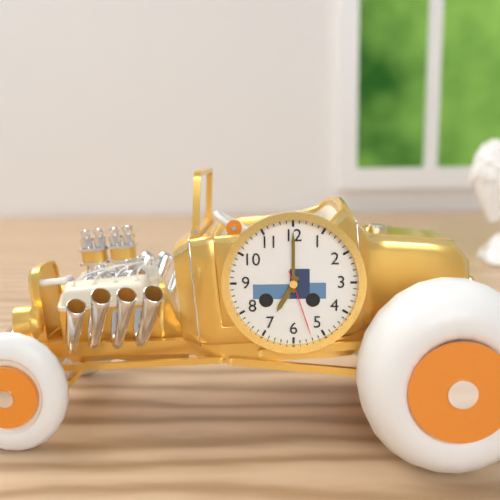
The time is 7h00m27s
